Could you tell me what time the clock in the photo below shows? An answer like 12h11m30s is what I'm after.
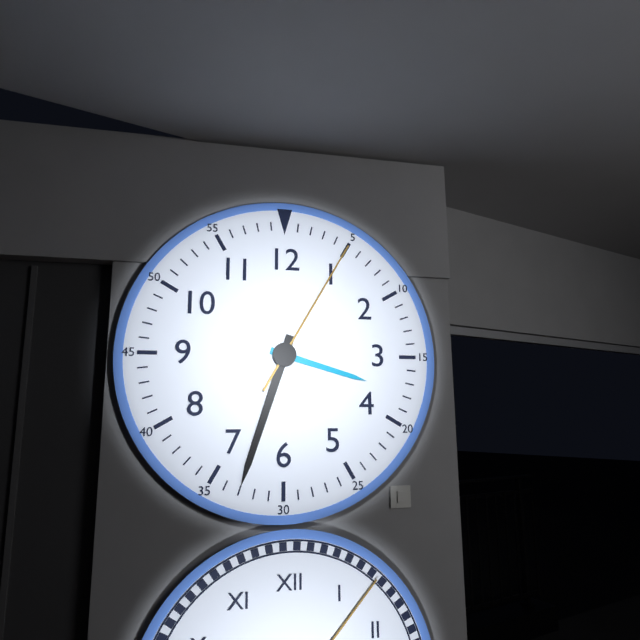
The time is 3h33m05s
